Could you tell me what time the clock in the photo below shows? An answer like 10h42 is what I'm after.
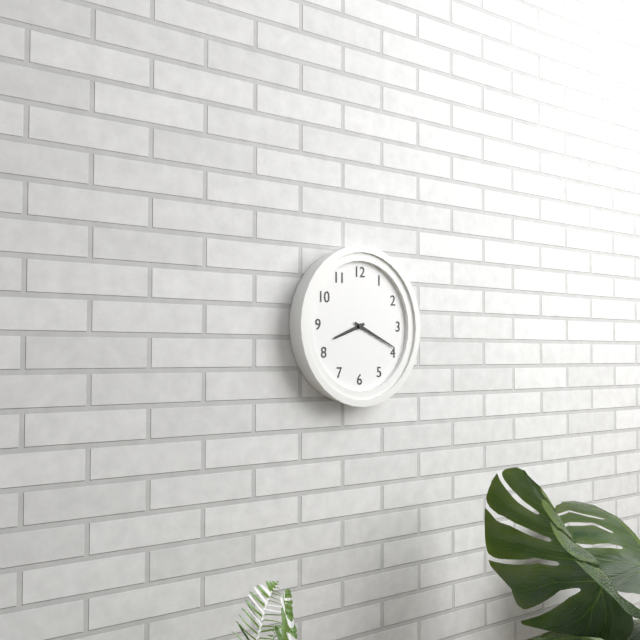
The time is 8h19
